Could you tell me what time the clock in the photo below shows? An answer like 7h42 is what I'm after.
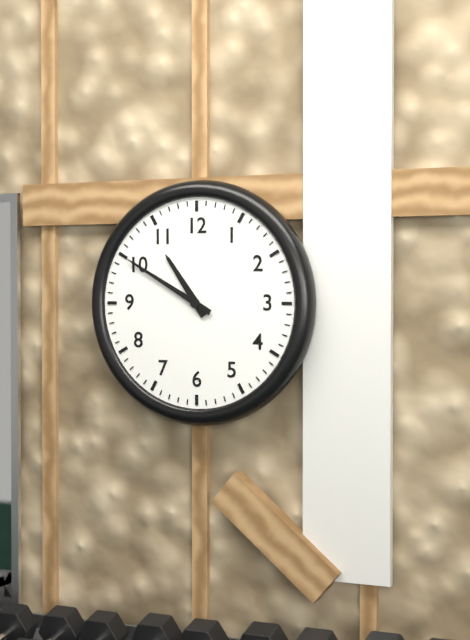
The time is 10h50
